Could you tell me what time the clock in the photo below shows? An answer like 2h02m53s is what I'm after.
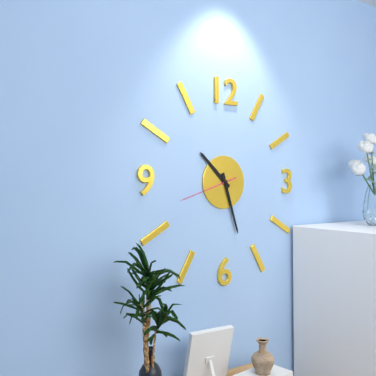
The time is 10h27m42s
